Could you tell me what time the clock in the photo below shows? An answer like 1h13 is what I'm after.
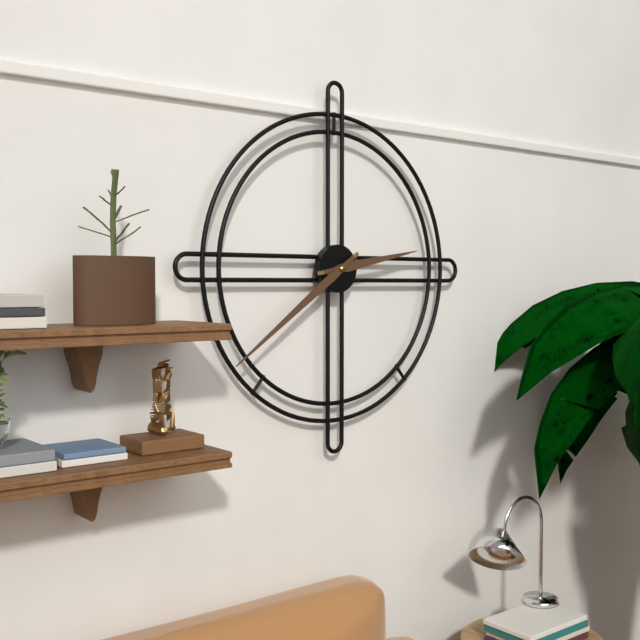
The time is 2h39
